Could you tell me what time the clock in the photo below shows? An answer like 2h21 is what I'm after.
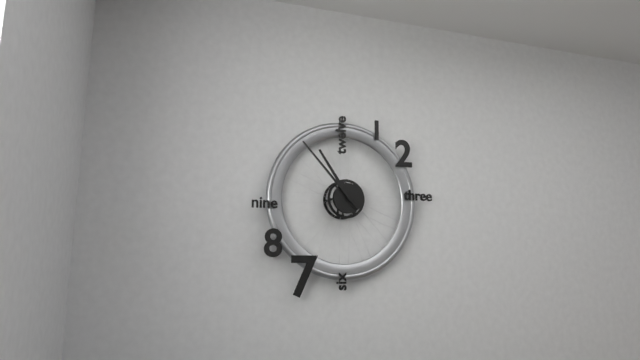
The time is 10h53
